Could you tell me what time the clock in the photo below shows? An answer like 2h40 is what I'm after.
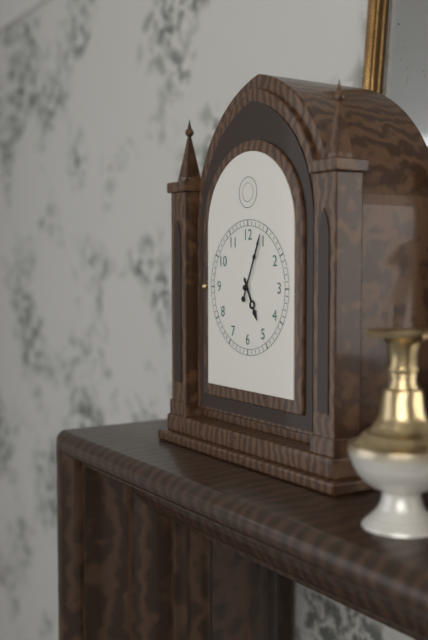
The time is 5h04
